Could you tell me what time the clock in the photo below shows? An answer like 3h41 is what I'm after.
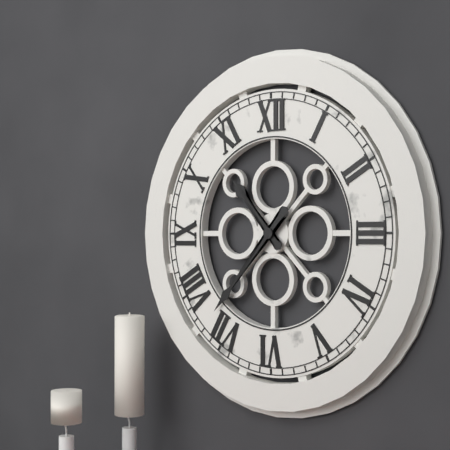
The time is 10h37
